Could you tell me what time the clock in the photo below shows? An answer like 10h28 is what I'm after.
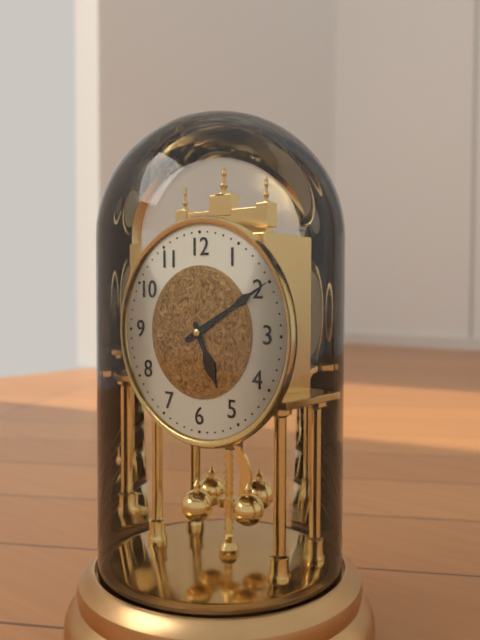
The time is 5h10
